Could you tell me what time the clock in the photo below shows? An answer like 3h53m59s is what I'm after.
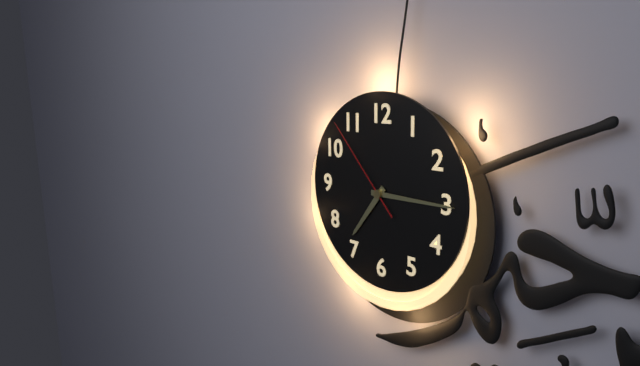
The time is 7h15m53s
